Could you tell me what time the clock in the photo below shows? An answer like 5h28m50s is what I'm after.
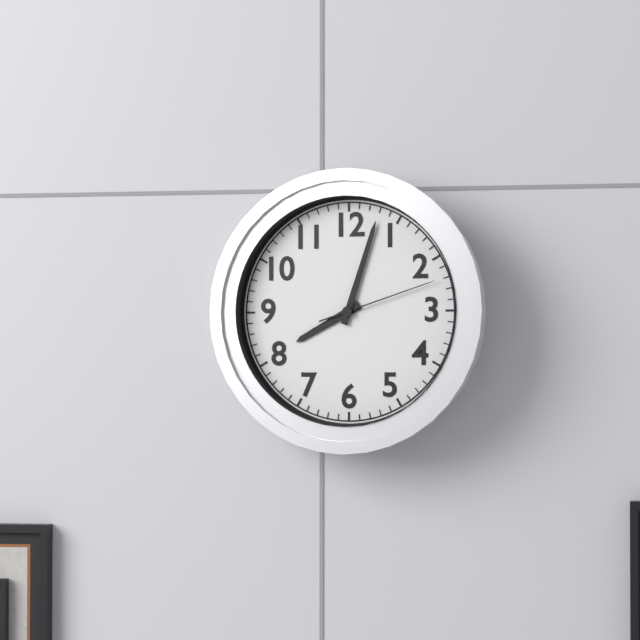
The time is 8h03m12s
